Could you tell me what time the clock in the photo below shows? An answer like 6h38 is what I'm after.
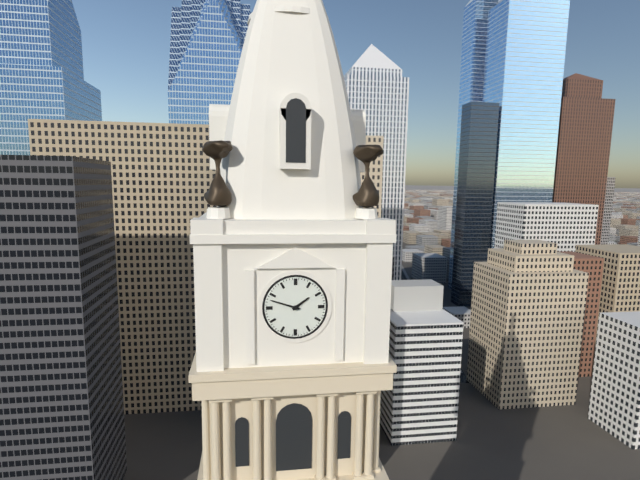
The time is 1h48
